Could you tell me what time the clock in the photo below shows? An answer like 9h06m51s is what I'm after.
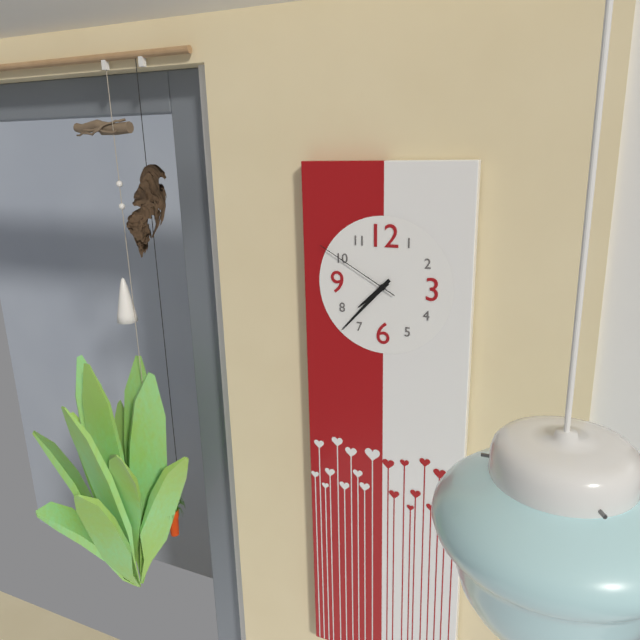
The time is 7h37m50s
